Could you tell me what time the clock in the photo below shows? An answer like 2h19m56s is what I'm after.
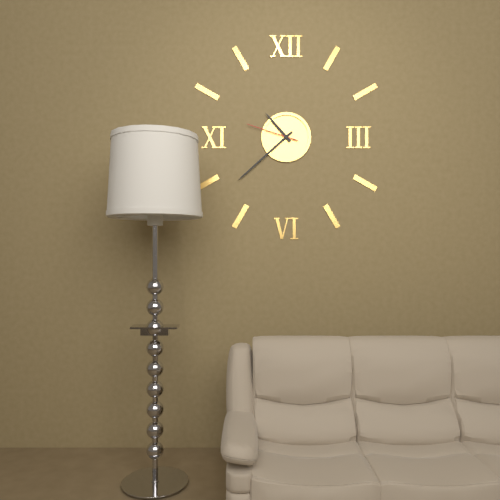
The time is 10h38m48s
